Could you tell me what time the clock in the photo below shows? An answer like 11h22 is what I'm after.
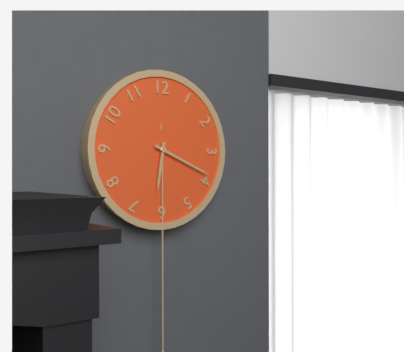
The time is 6h19
